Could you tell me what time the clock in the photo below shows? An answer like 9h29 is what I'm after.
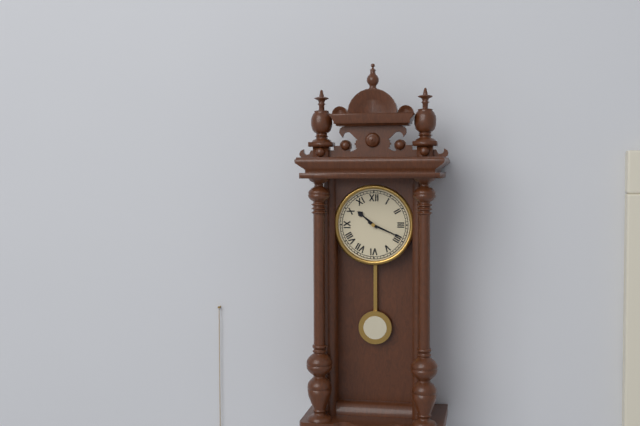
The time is 10h19
